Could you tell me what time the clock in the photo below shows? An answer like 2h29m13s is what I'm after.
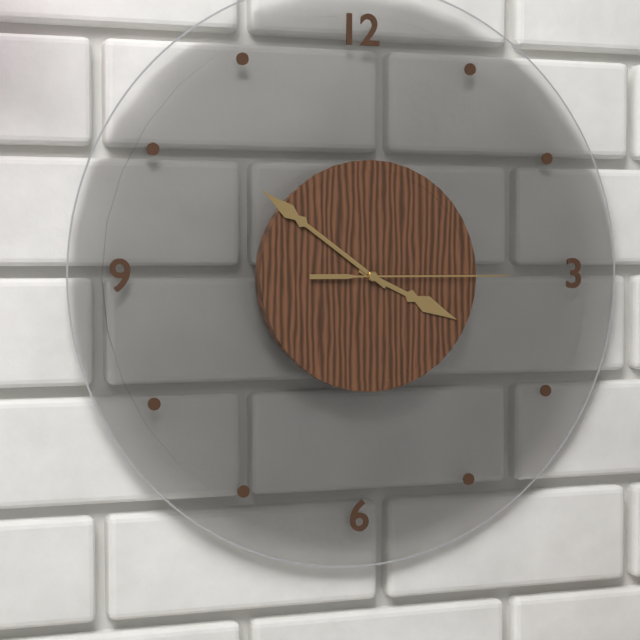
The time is 3h51m15s
